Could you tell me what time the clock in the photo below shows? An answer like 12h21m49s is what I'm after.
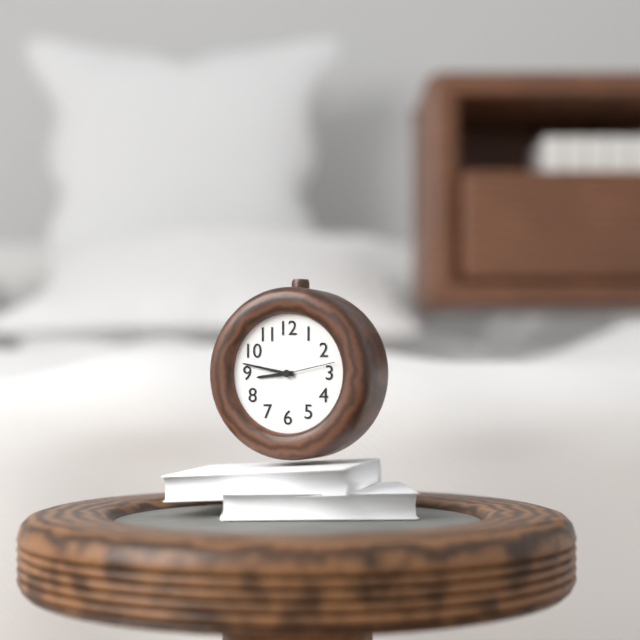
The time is 8h47m13s
